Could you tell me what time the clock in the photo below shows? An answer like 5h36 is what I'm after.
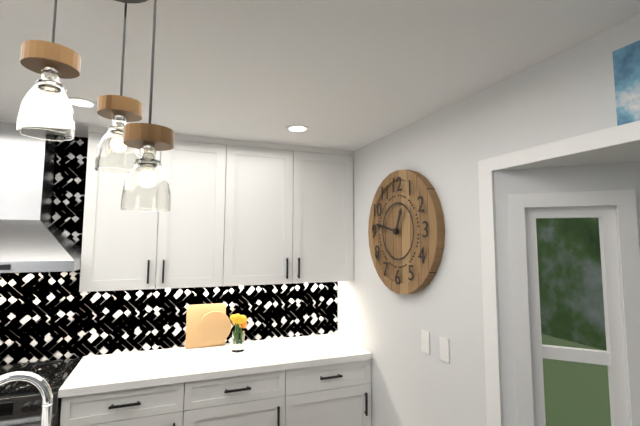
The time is 12h47
